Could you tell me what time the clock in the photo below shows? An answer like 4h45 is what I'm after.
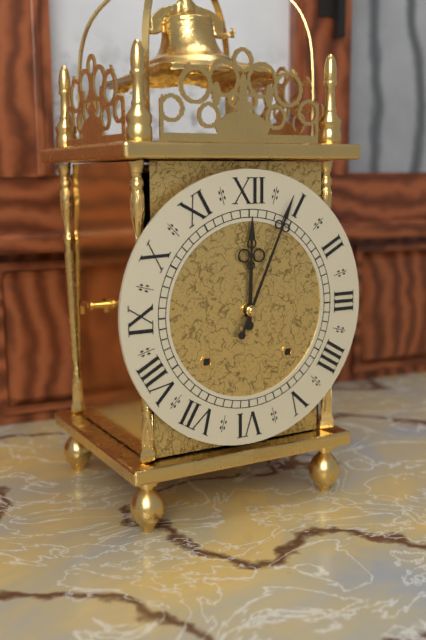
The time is 12h04
